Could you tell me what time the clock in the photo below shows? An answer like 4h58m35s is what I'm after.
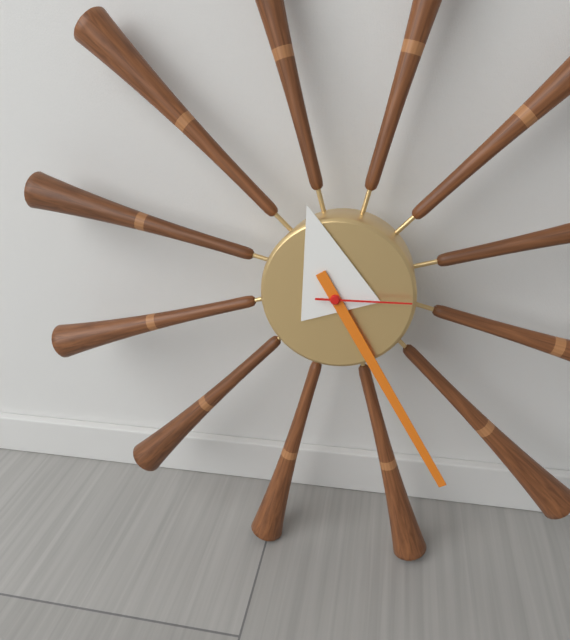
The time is 11h25m15s
